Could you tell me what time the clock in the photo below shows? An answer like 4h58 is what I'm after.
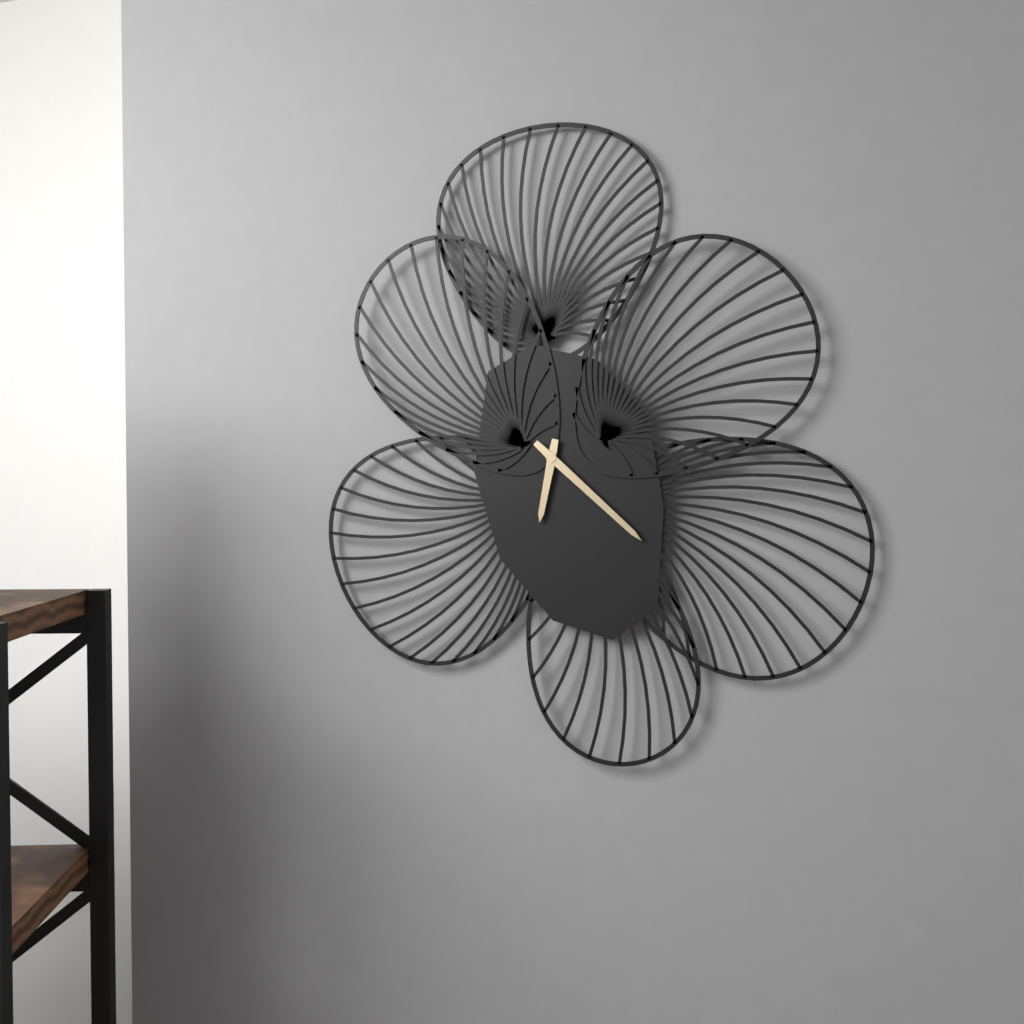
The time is 6h22
